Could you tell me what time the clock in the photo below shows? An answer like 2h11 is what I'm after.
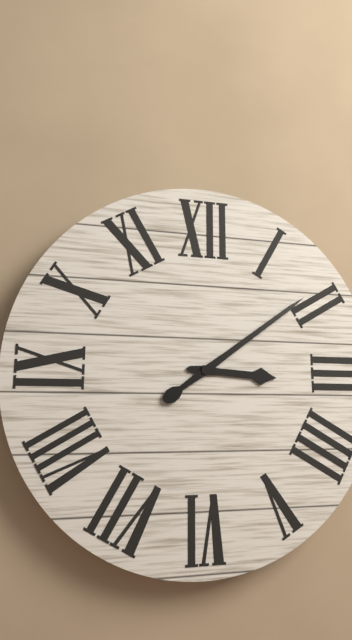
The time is 3h09
